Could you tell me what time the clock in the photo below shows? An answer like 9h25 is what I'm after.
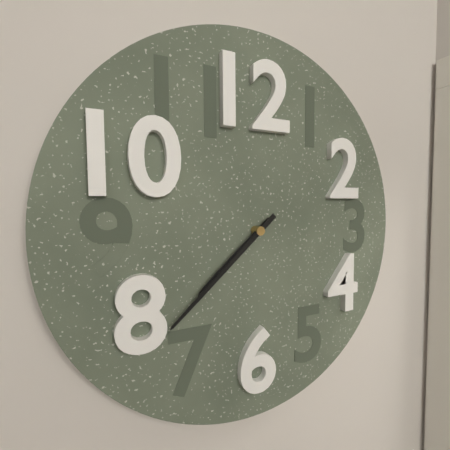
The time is 7h38
